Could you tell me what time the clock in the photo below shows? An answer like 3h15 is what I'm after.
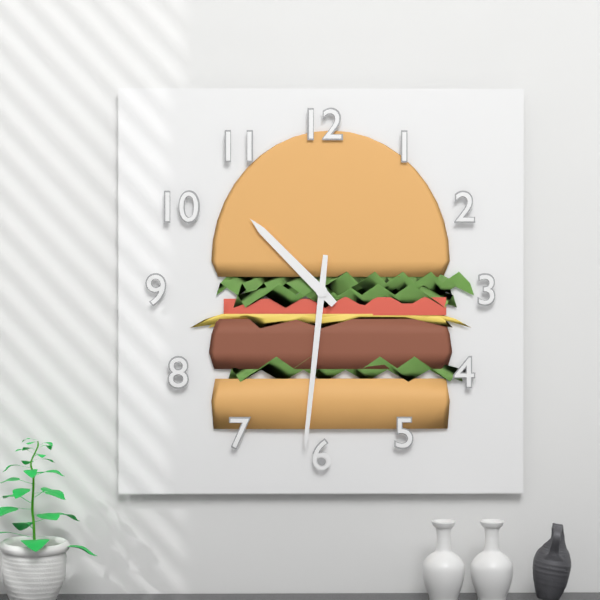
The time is 10h31
